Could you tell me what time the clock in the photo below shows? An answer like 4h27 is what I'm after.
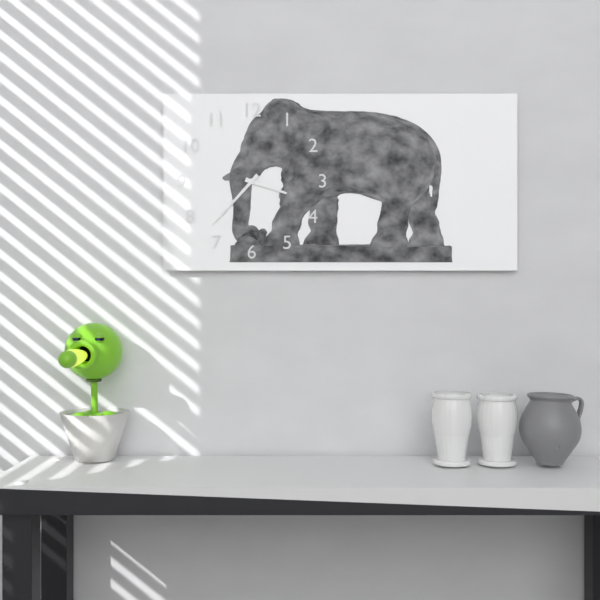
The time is 3h37
